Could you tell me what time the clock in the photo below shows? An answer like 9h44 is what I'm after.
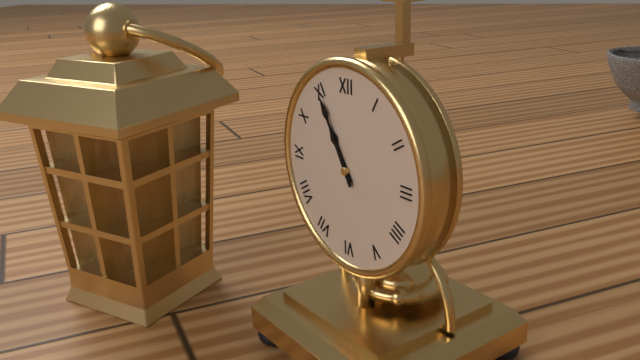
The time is 10h55
